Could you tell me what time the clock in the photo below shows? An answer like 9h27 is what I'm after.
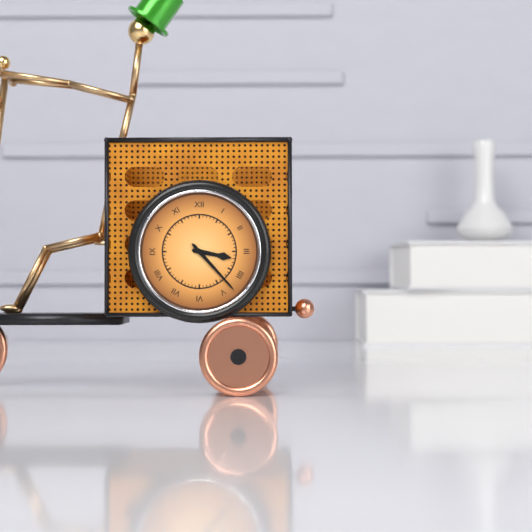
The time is 3h23
